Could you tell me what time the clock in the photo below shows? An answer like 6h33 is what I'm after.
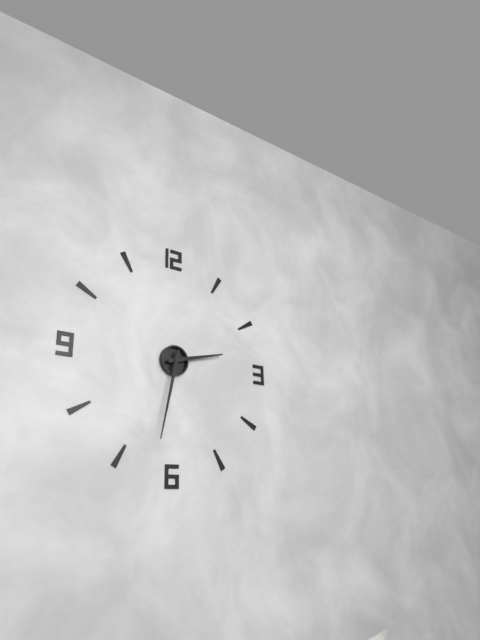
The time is 2h32
